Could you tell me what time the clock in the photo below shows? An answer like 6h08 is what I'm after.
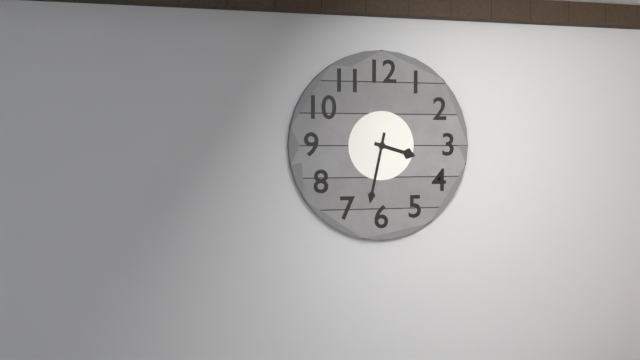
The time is 3h32
